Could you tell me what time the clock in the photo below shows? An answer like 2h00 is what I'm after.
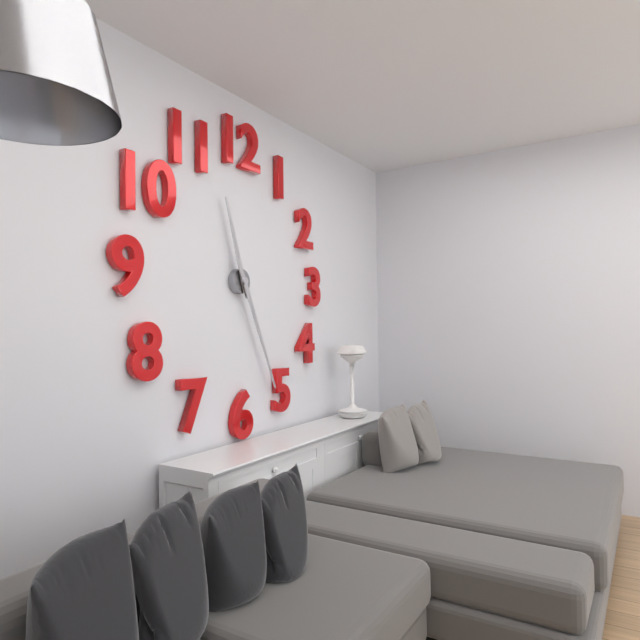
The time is 11h26
